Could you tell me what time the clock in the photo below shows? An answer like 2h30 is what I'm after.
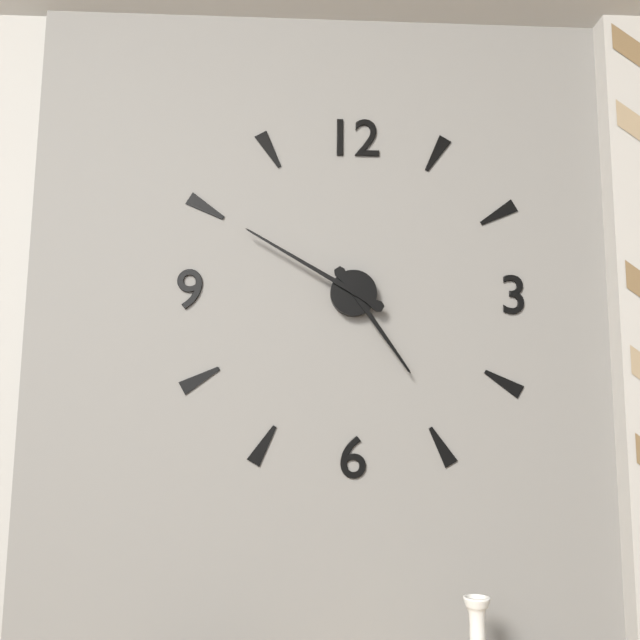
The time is 4h50
